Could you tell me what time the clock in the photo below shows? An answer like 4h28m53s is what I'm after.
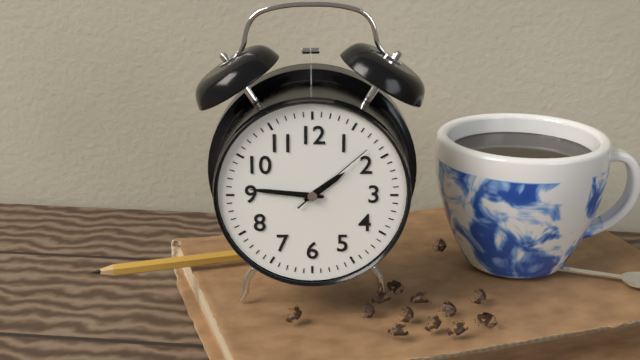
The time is 1h46m08s
